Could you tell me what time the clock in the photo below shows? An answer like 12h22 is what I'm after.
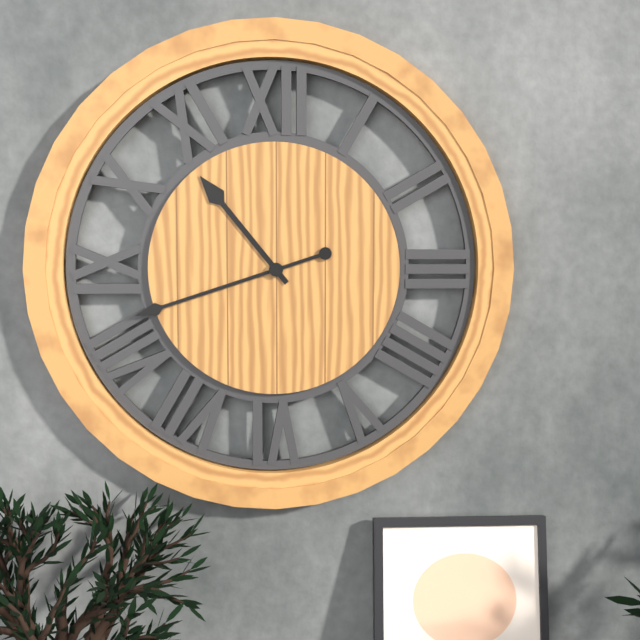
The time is 10h42
